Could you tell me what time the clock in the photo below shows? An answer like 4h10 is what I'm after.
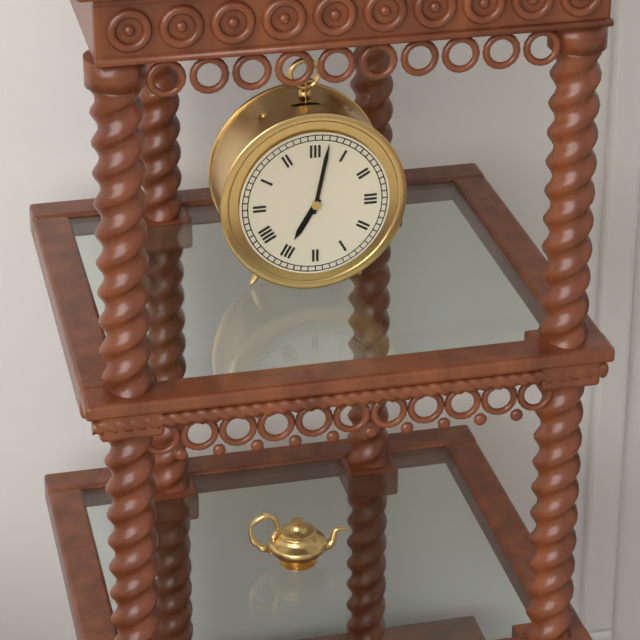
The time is 7h02
